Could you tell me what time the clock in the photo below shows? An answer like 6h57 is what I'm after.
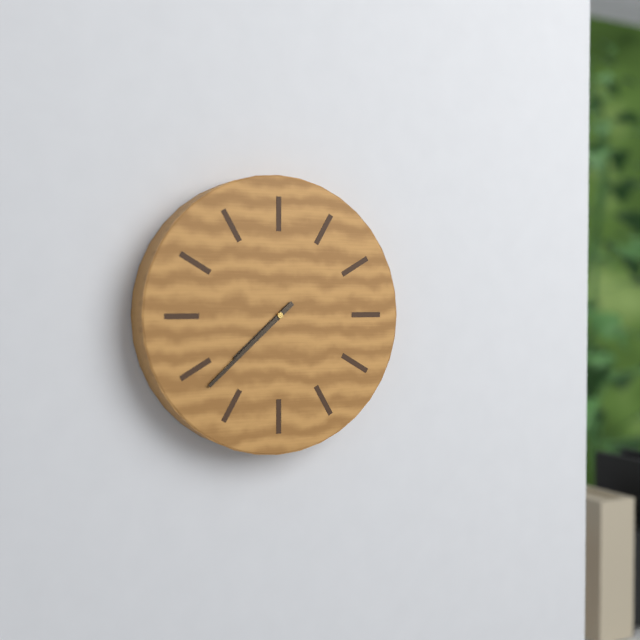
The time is 7h38
